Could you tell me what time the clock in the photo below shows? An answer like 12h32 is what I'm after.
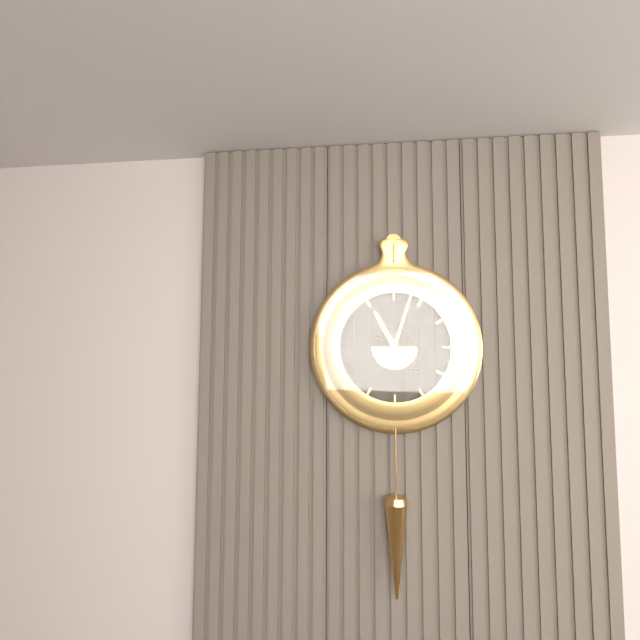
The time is 11h03
